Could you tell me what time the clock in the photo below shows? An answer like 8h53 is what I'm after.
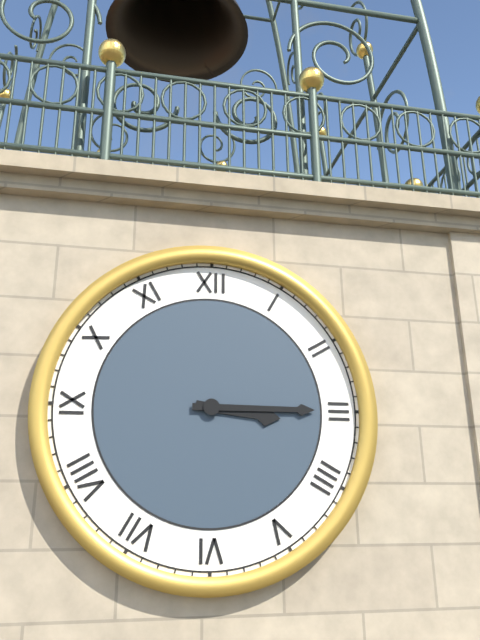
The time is 3h15
